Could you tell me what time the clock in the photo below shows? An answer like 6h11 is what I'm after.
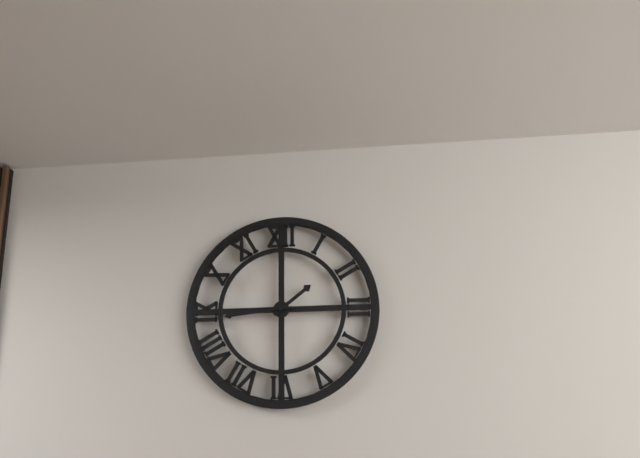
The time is 1h44
